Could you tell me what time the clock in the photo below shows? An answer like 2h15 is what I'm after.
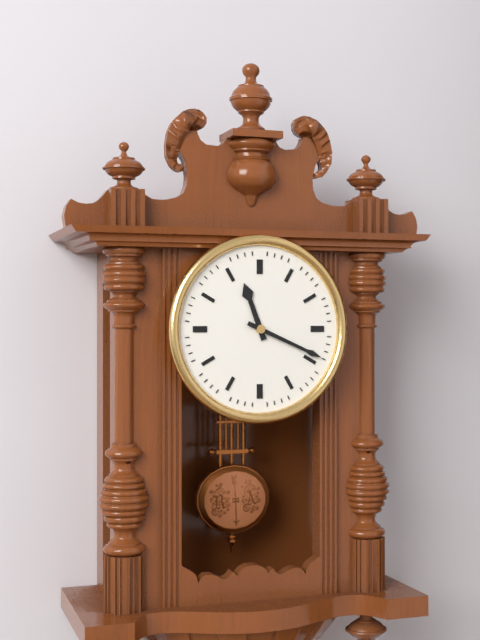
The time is 11h19
